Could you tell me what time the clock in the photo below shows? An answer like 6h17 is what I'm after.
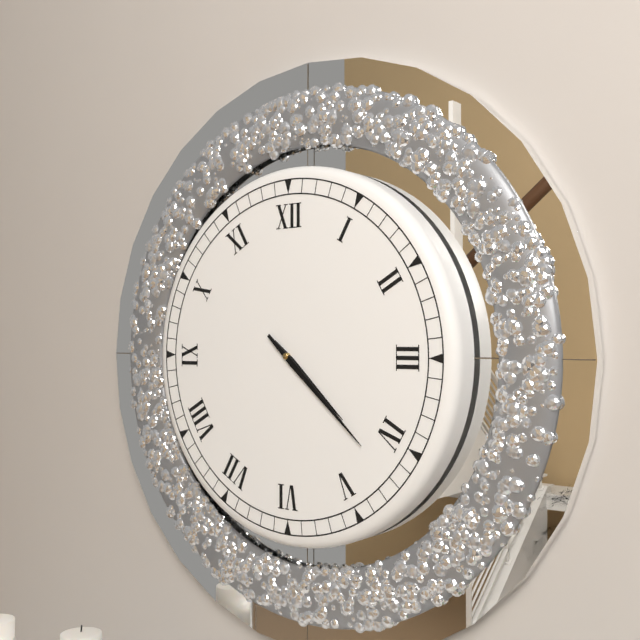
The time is 4h22
